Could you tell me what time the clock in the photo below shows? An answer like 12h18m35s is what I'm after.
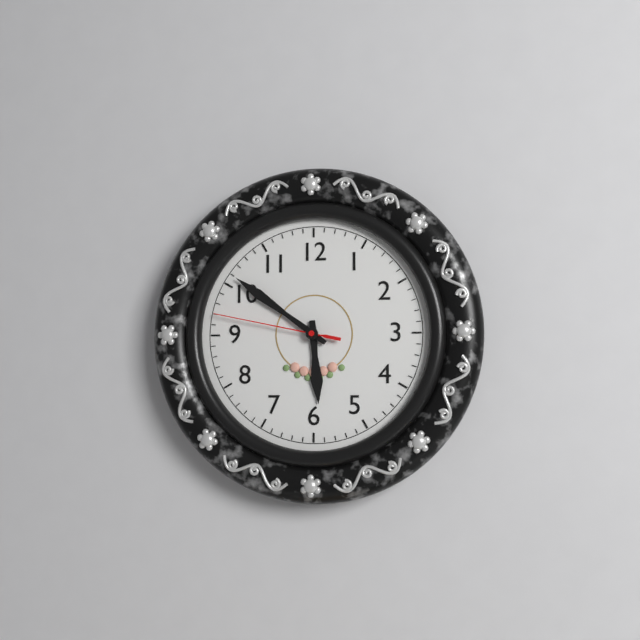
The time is 5h51m47s
